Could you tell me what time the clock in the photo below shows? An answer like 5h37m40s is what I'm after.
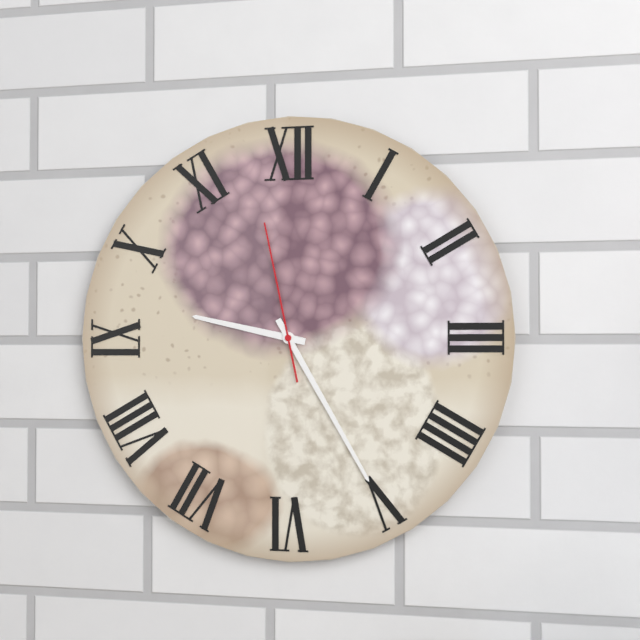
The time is 9h25m58s
